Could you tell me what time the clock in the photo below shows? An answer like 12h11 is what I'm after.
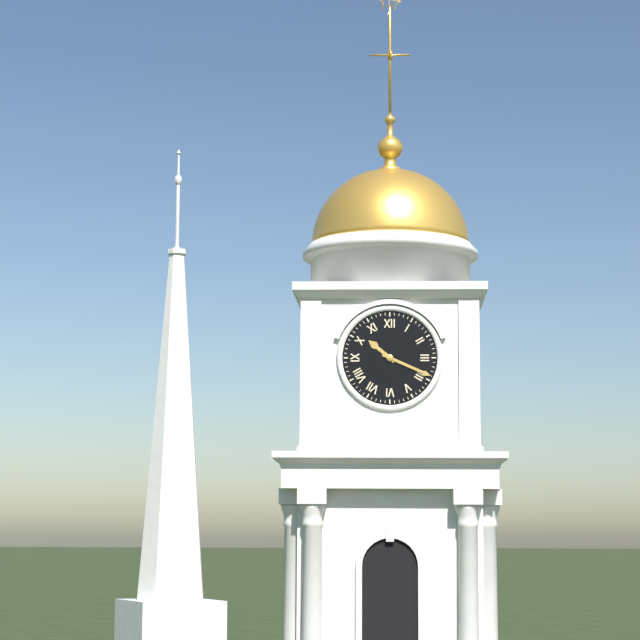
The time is 10h19
